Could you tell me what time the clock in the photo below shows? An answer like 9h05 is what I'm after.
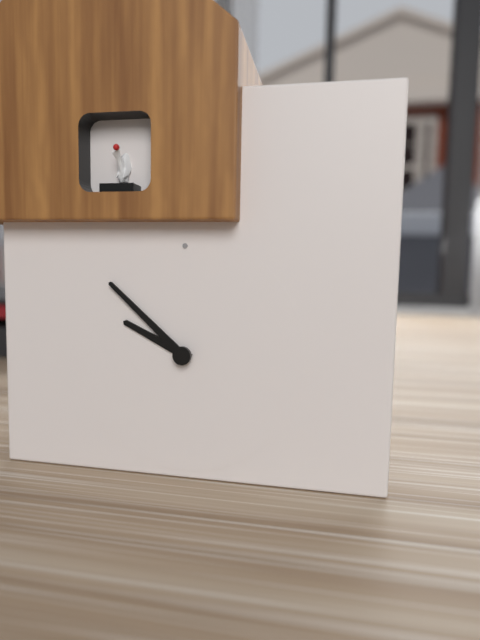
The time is 9h52
